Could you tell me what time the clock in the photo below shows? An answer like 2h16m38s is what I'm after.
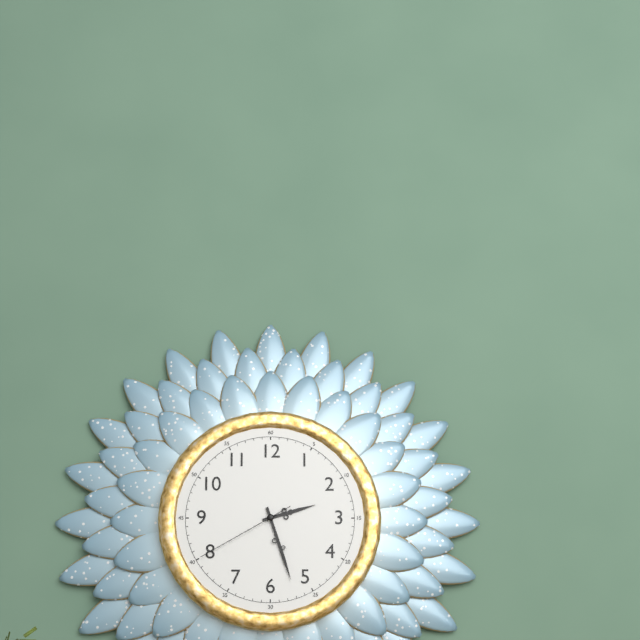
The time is 2h27m40s
